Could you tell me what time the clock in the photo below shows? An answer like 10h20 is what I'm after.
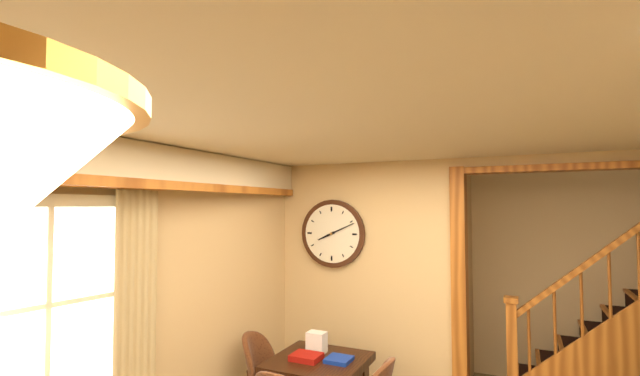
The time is 8h11
